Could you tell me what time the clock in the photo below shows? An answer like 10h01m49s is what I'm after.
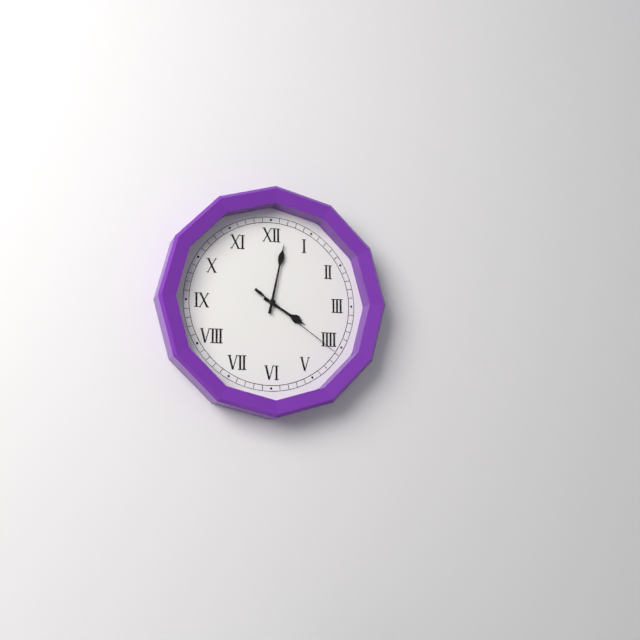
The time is 4h02m21s
